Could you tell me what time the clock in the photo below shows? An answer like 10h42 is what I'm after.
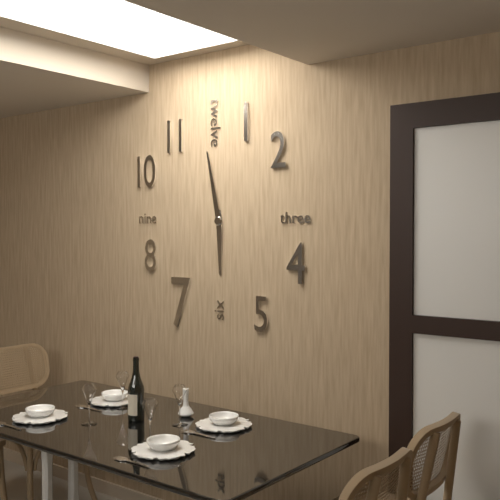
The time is 5h58
